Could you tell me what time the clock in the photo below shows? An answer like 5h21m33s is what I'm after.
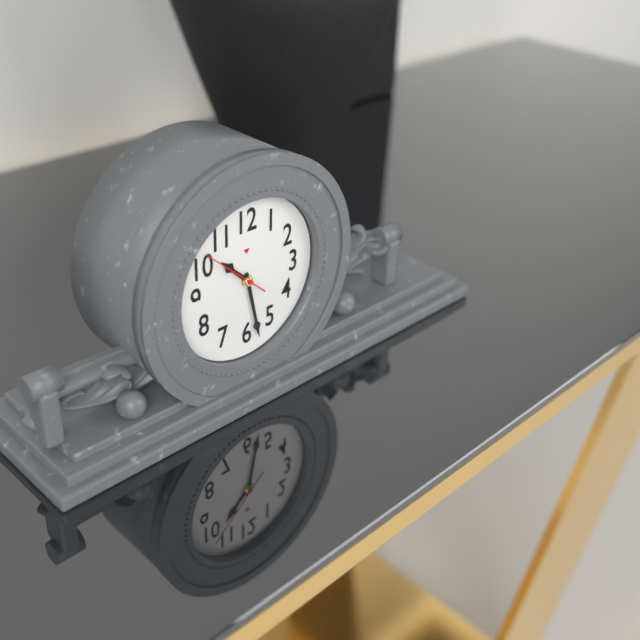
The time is 10h28m52s
